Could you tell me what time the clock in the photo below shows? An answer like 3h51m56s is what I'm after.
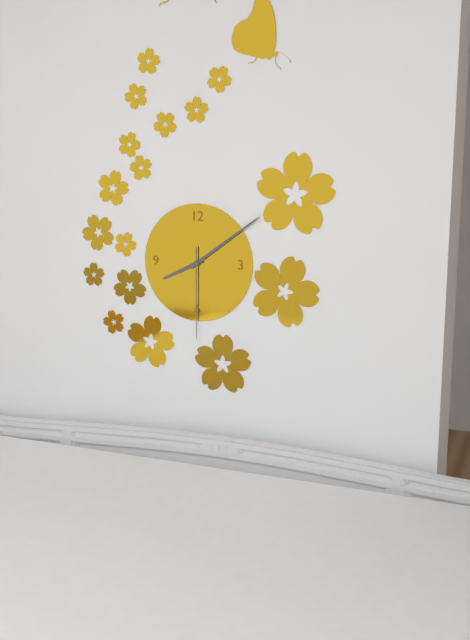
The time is 8h09m30s
